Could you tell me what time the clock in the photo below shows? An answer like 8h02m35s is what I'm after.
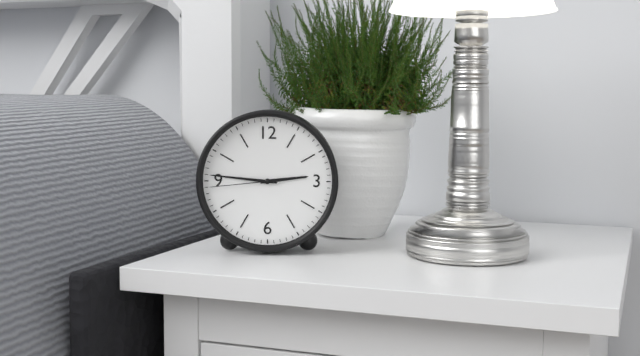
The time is 2h46m44s
